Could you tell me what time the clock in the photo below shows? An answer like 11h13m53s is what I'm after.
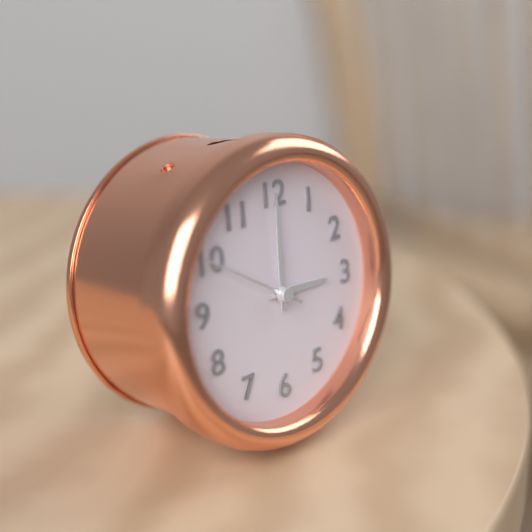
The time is 3h00m50s
